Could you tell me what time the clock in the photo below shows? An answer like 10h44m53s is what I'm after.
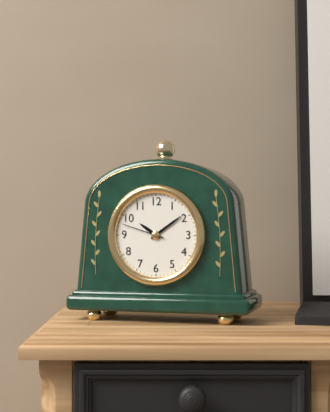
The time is 10h09m48s
